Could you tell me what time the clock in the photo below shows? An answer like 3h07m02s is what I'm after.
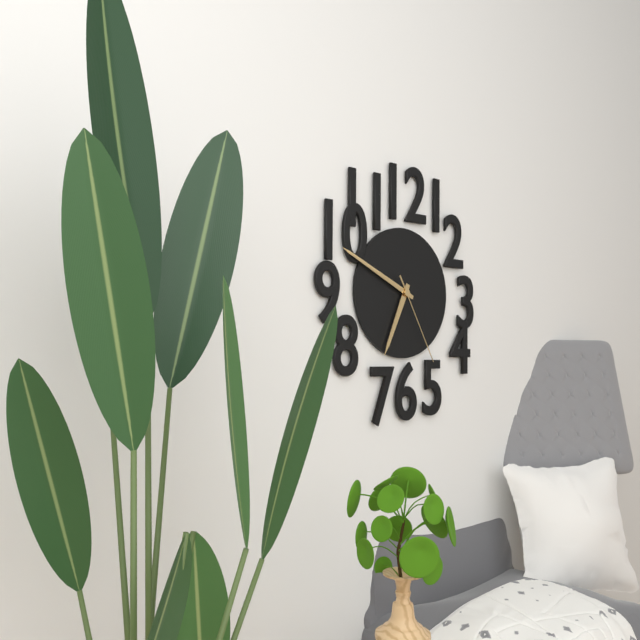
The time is 6h49m25s
